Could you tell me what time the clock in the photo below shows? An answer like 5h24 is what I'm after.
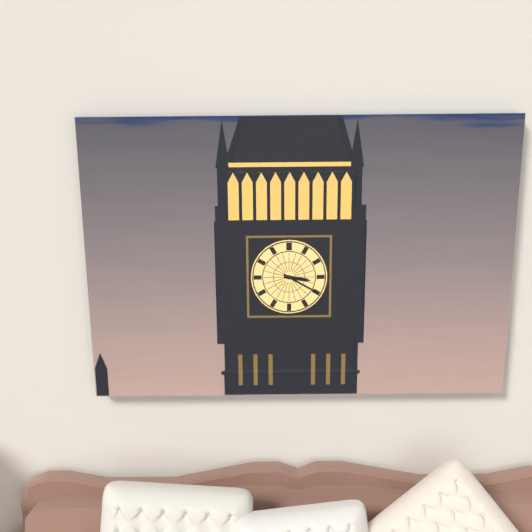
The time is 3h20
